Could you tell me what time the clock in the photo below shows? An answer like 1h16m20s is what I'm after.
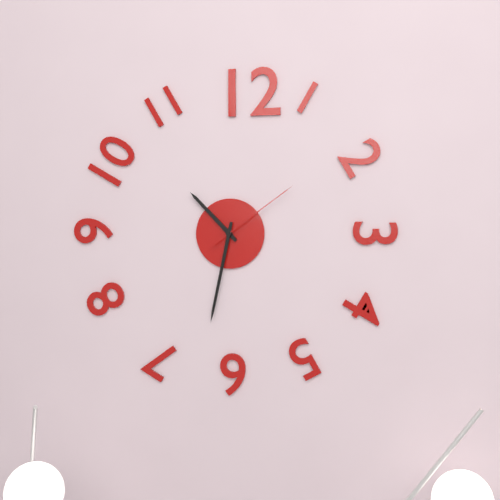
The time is 10h32m09s
